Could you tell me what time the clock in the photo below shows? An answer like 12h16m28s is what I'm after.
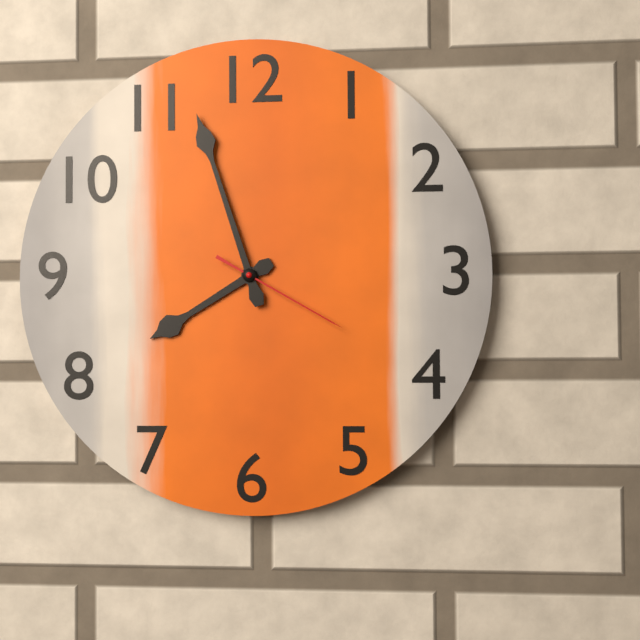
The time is 7h57m20s
